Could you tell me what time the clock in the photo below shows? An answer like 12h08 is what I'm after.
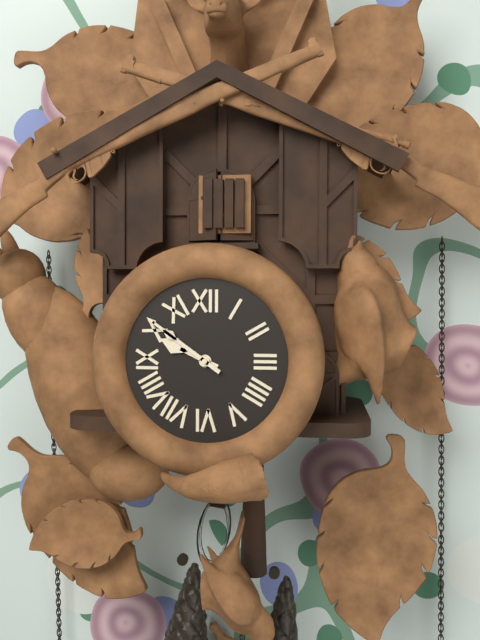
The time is 9h51
